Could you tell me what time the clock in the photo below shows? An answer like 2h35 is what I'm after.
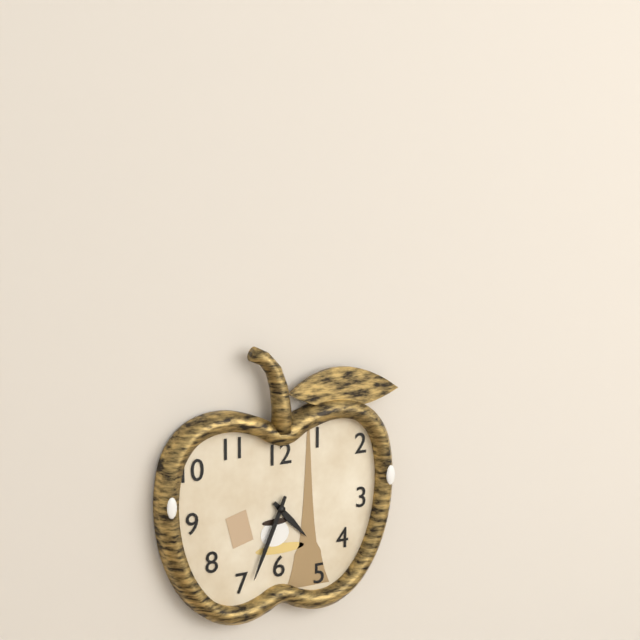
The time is 4h34
